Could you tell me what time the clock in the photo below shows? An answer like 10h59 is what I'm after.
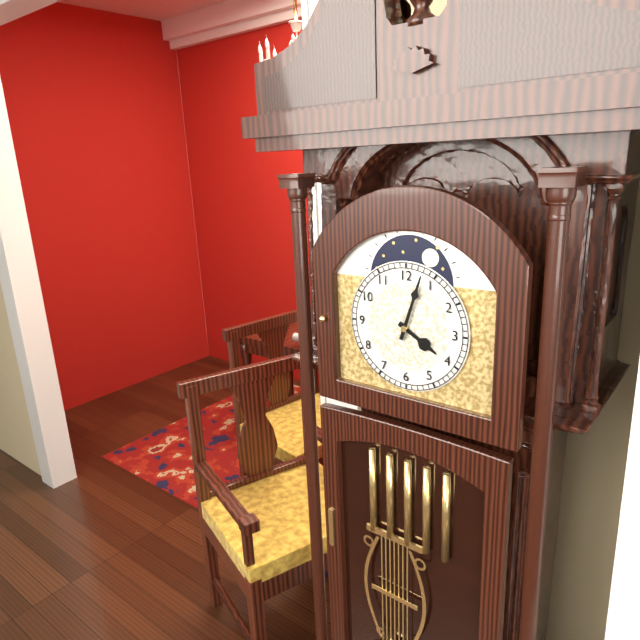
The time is 4h03
